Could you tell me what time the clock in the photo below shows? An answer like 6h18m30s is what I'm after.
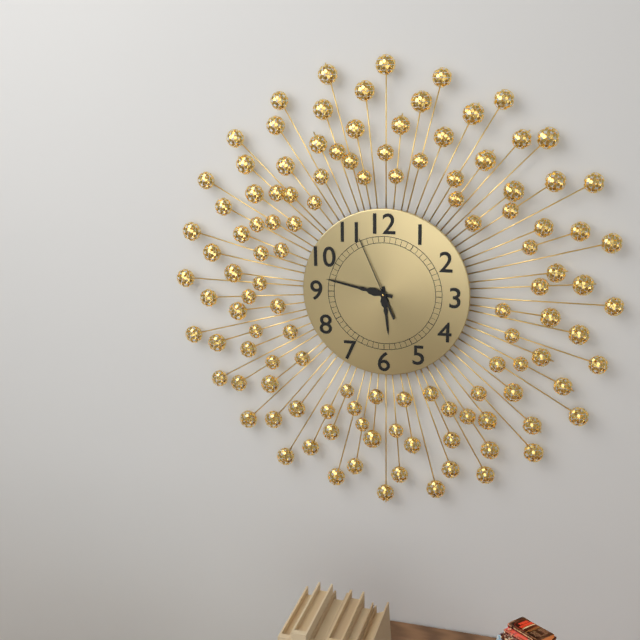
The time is 5h47m56s
